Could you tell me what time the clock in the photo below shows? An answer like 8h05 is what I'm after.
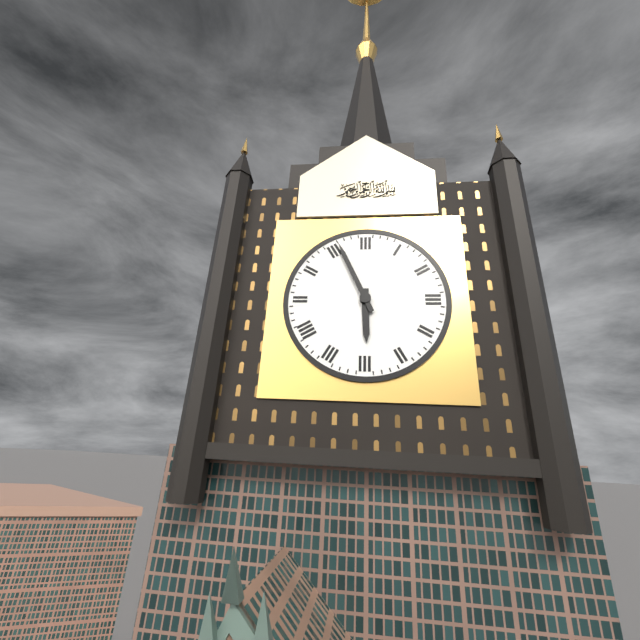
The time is 5h56
